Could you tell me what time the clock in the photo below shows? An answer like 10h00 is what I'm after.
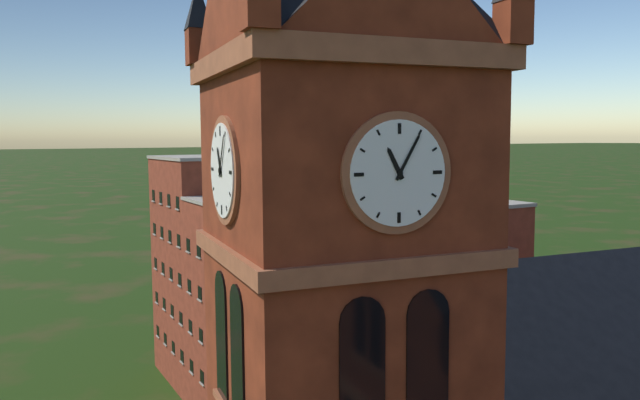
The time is 11h05
